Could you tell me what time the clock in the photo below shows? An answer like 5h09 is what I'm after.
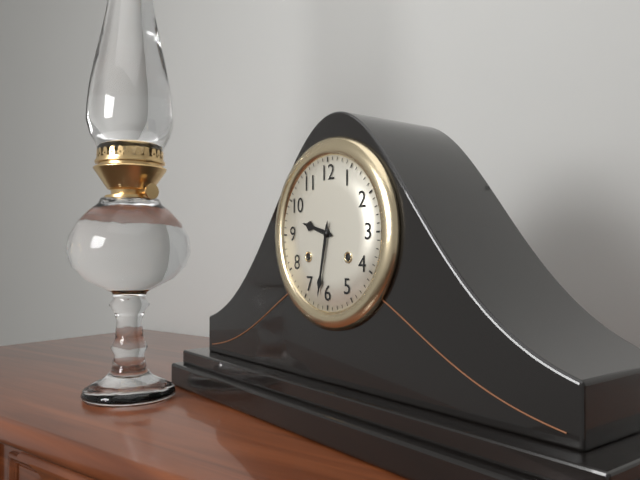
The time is 9h32
